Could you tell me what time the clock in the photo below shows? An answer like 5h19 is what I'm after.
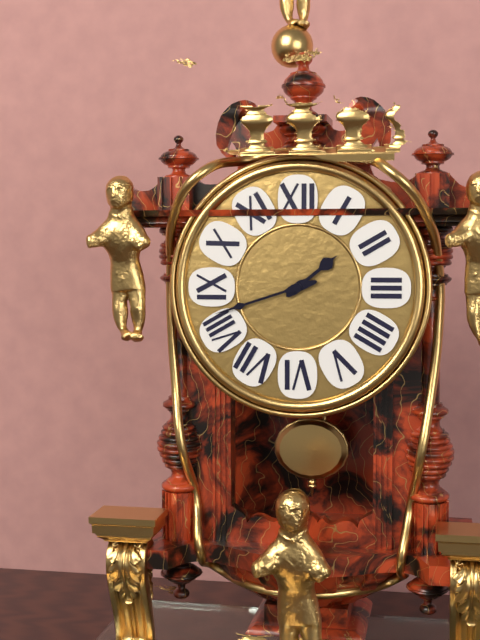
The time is 1h42
